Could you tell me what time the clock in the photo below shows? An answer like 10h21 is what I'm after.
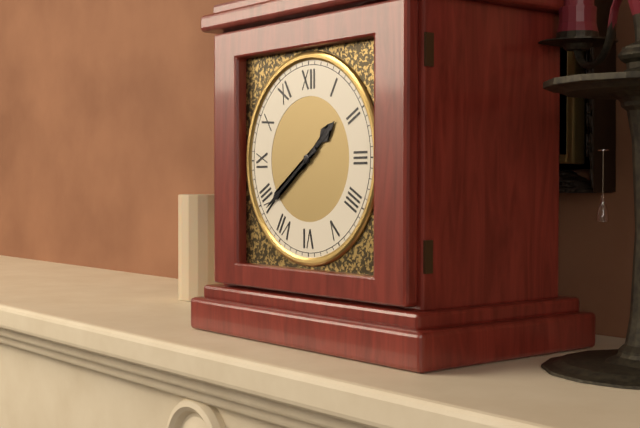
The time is 1h39
